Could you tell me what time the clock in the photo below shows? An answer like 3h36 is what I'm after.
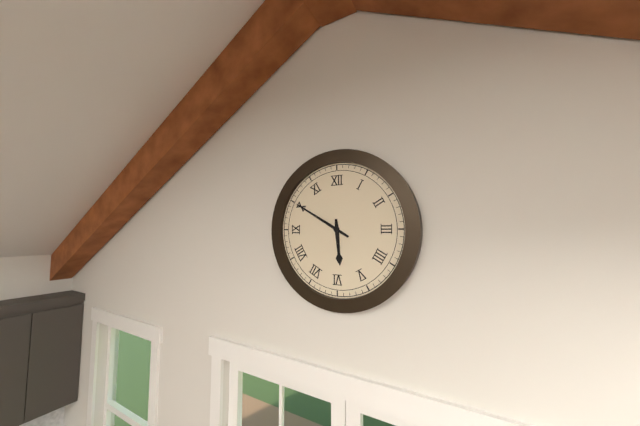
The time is 5h50
